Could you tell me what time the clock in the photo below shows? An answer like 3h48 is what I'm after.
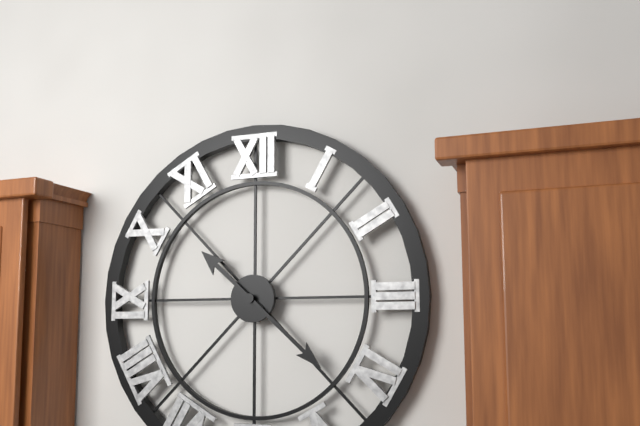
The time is 10h22
